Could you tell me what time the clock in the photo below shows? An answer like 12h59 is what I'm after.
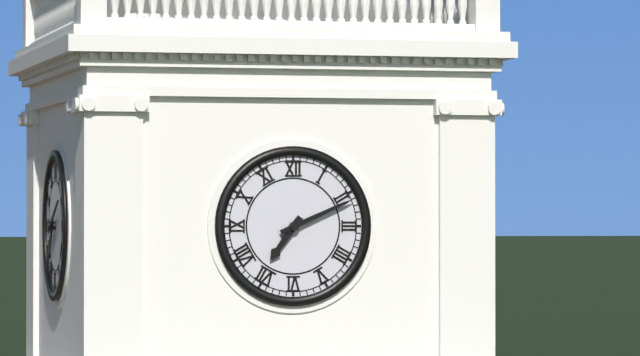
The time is 7h11
